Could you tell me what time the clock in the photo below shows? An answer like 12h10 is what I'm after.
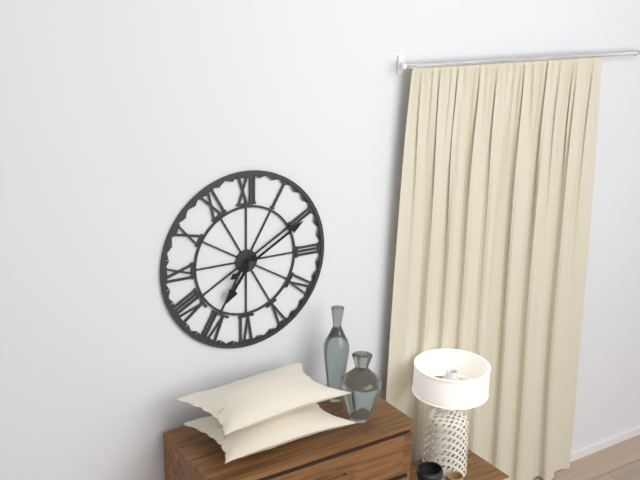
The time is 7h10
